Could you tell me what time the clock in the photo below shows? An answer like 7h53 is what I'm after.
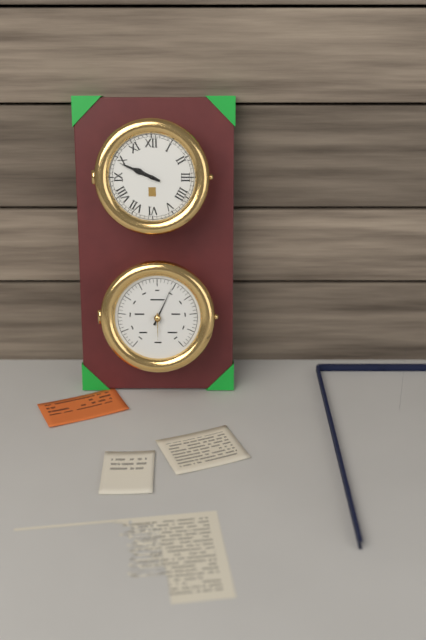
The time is 9h49
